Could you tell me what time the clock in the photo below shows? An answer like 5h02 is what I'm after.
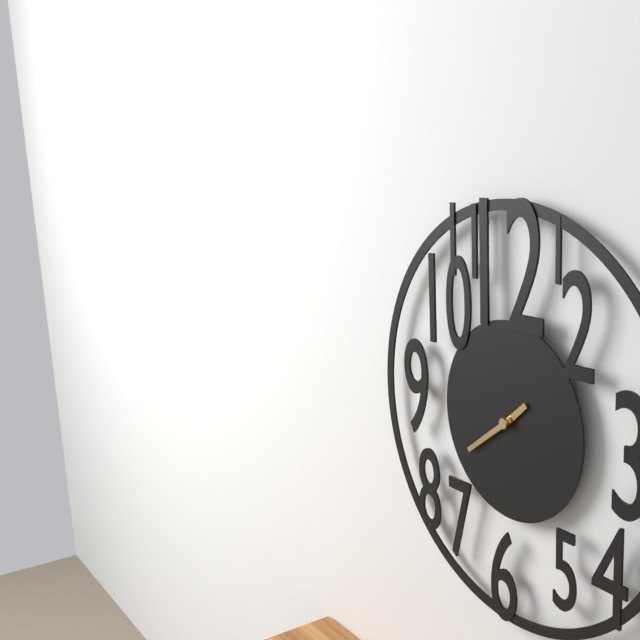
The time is 1h39
